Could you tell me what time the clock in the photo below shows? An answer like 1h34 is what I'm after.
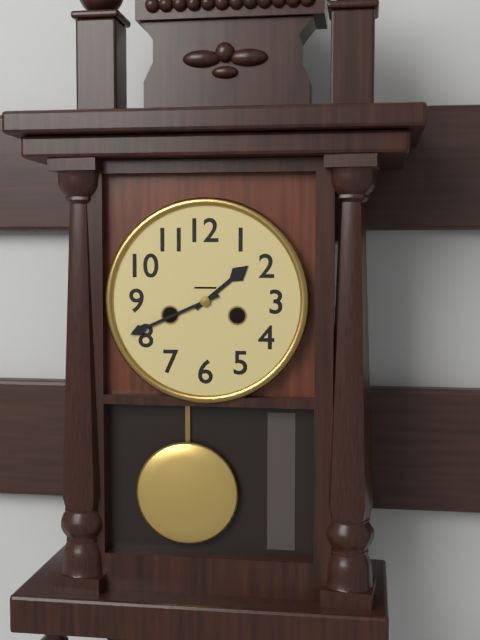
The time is 1h41
